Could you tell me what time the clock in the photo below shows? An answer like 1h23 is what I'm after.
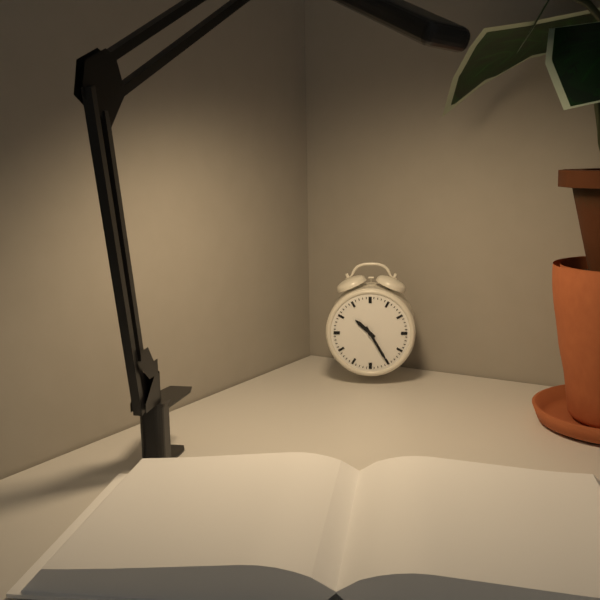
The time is 10h25
